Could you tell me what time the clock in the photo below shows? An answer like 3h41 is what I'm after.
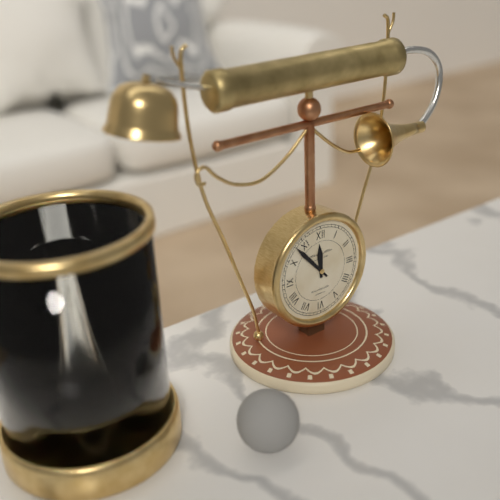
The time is 11h53
